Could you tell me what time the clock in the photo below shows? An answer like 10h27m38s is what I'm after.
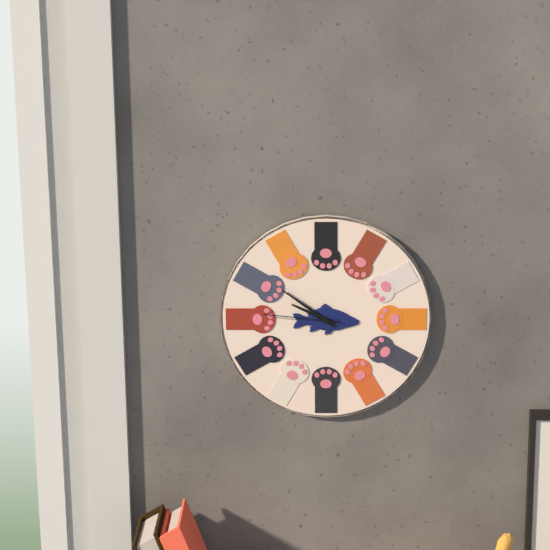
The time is 9h51m46s
